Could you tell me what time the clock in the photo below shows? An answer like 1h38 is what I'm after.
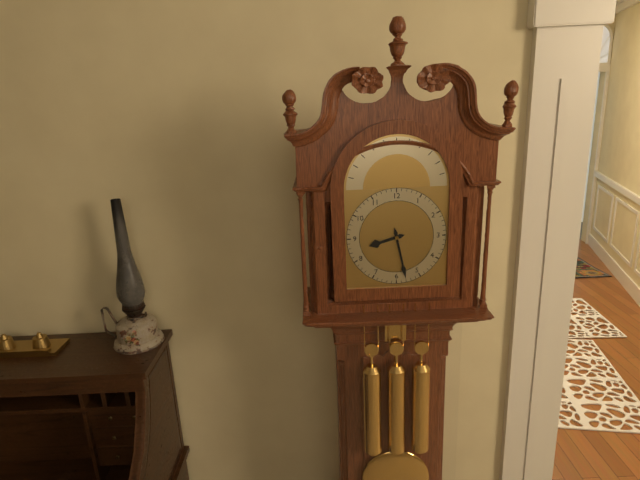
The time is 8h28
